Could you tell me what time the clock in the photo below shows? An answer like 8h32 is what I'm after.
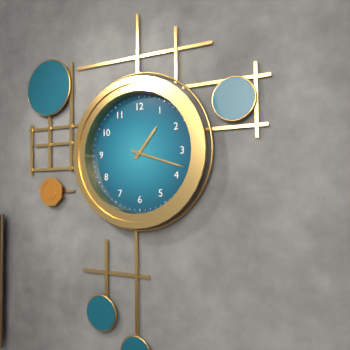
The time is 1h18
